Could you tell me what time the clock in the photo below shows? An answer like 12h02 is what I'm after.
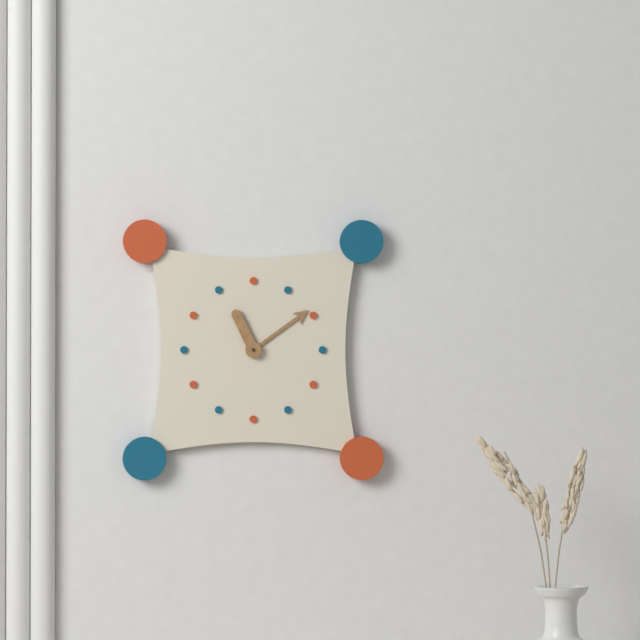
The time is 11h09
